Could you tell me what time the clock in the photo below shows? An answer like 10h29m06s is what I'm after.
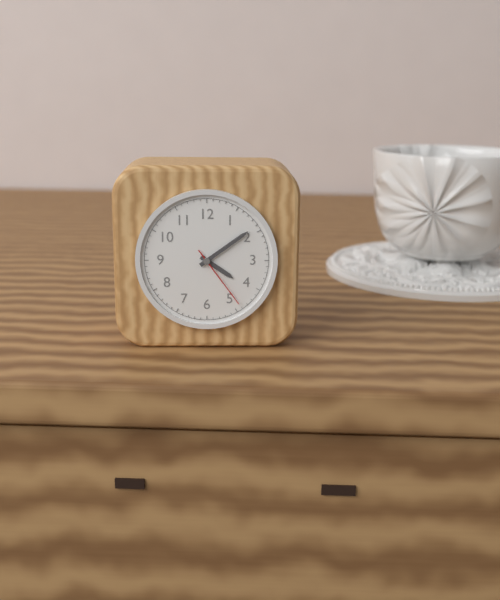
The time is 4h09m24s
